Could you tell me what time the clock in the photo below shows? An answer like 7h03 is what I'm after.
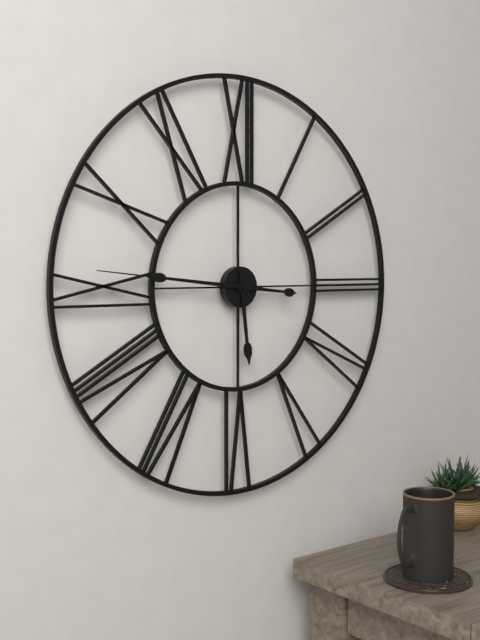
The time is 5h46
